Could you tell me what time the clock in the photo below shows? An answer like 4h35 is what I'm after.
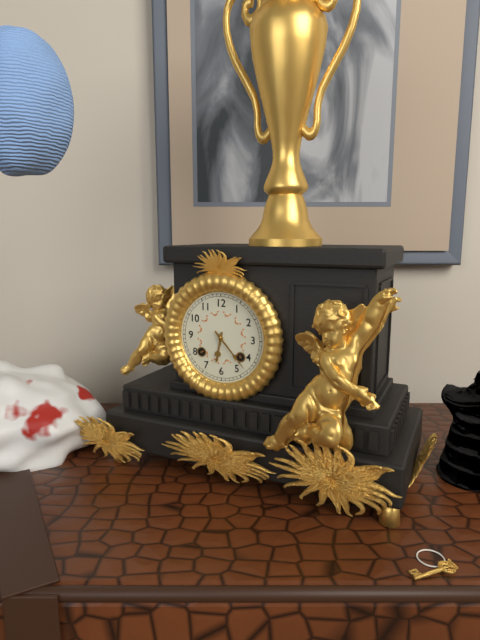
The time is 6h23
